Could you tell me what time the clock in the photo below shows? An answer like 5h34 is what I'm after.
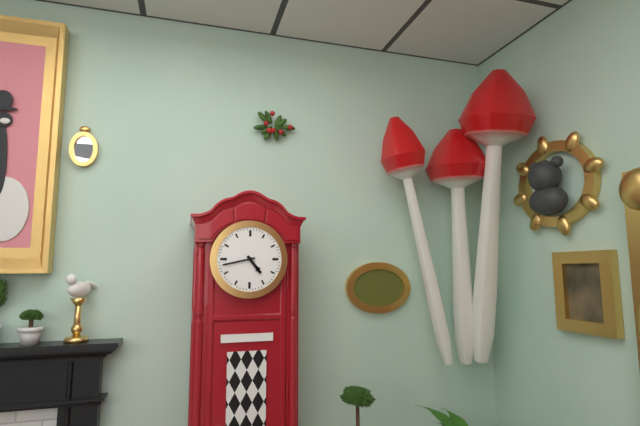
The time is 4h43
